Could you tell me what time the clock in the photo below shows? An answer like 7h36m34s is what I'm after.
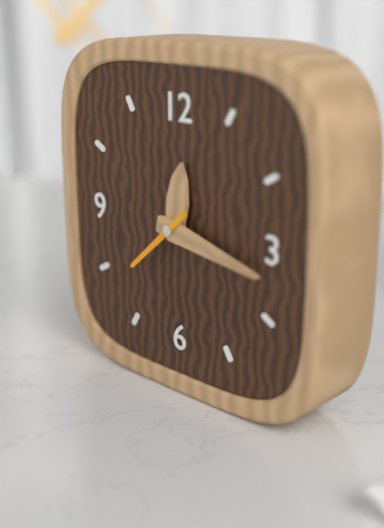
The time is 12h17m38s
